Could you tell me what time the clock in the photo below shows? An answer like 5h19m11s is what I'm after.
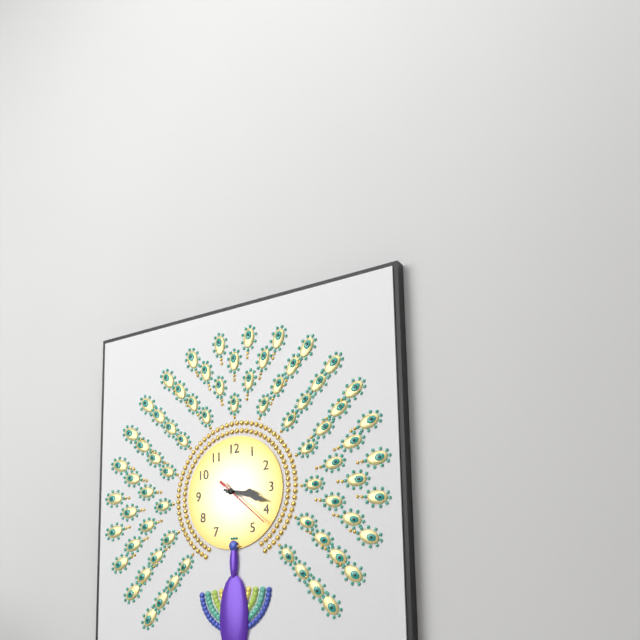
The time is 3h18m22s
